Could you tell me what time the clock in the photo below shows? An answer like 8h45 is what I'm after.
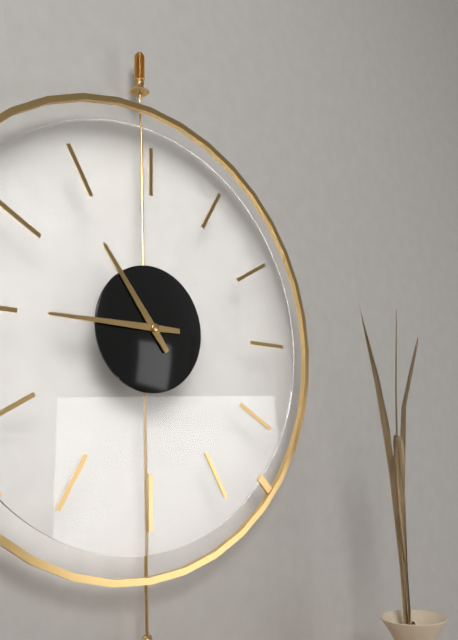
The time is 10h45
